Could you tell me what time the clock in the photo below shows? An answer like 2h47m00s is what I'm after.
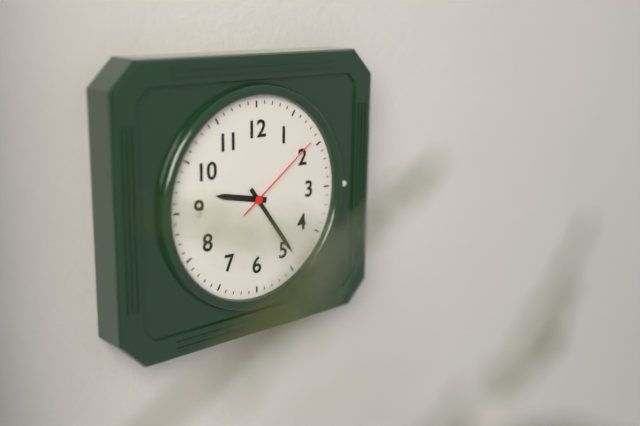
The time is 9h24m09s
